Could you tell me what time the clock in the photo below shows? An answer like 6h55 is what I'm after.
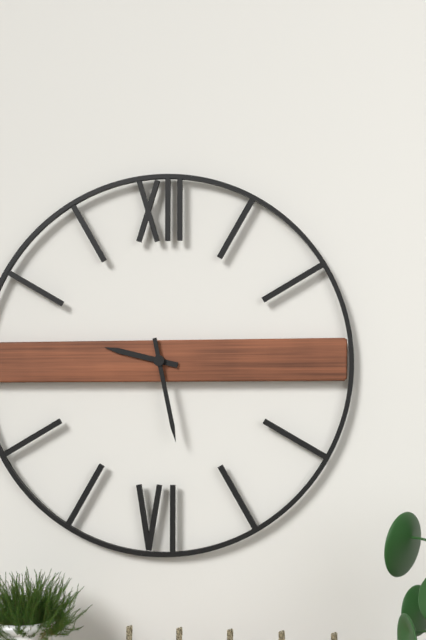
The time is 9h28
